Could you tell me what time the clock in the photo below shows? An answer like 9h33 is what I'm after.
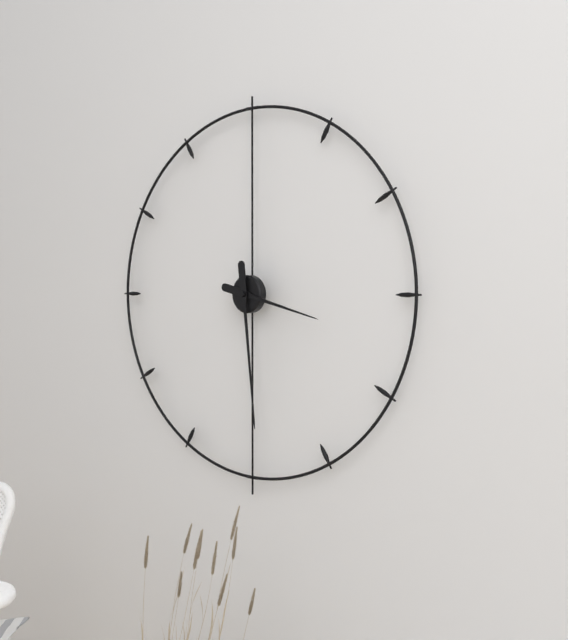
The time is 3h29
